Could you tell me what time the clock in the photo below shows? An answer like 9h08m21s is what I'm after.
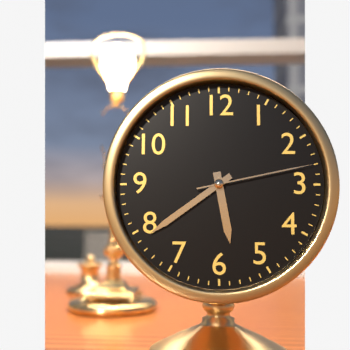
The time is 5h39m13s
